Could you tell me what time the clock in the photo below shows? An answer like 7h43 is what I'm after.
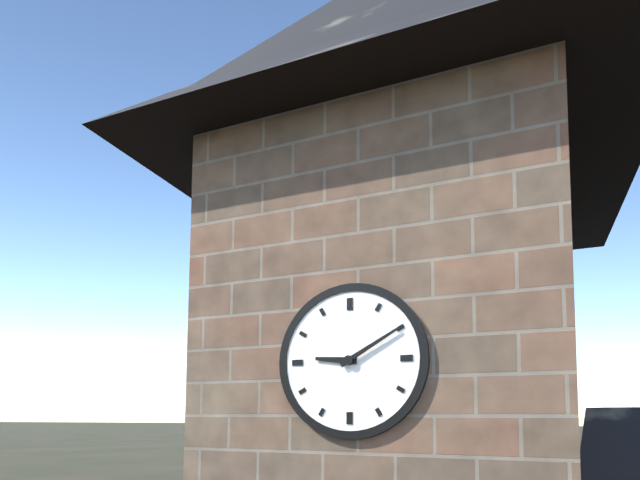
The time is 9h10
